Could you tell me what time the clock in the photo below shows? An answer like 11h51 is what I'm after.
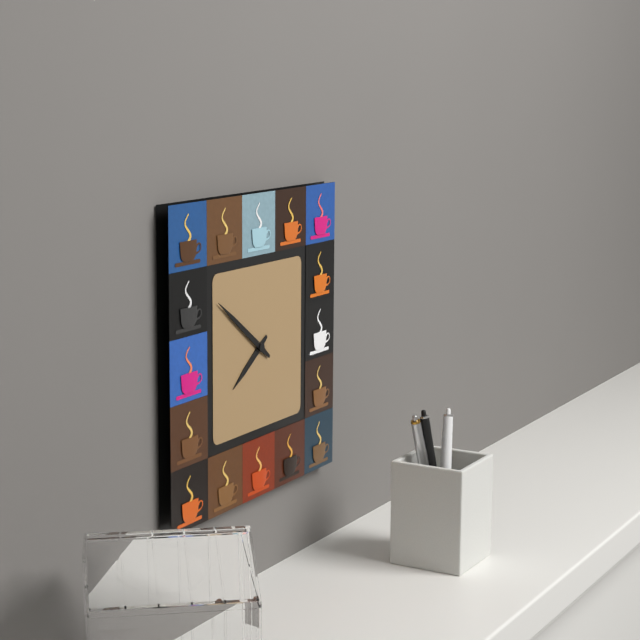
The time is 7h51
